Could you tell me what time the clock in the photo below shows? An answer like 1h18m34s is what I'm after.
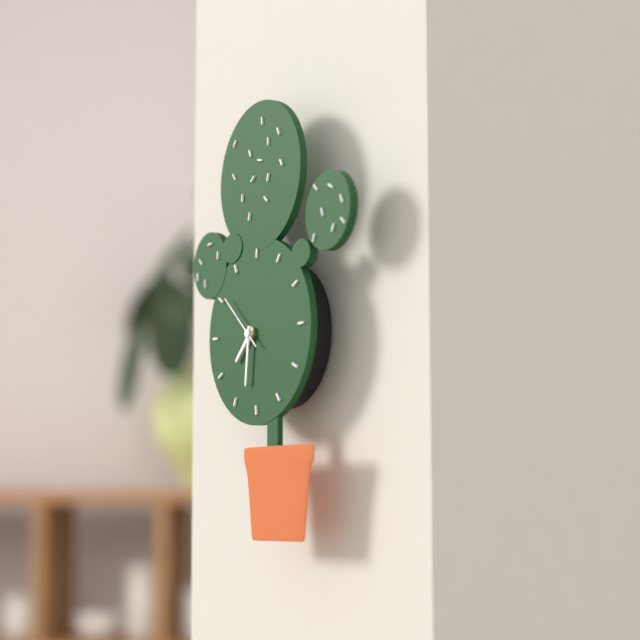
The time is 7h31m52s
